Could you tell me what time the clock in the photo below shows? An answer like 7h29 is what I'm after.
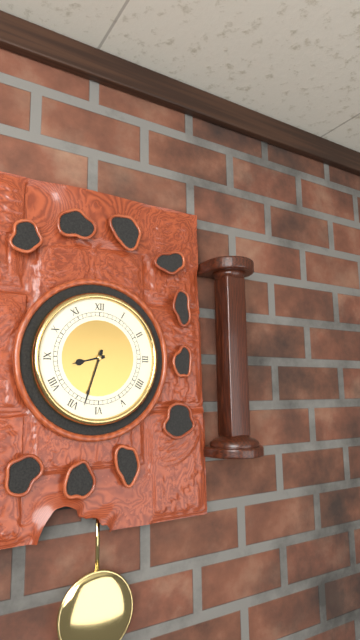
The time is 8h33
